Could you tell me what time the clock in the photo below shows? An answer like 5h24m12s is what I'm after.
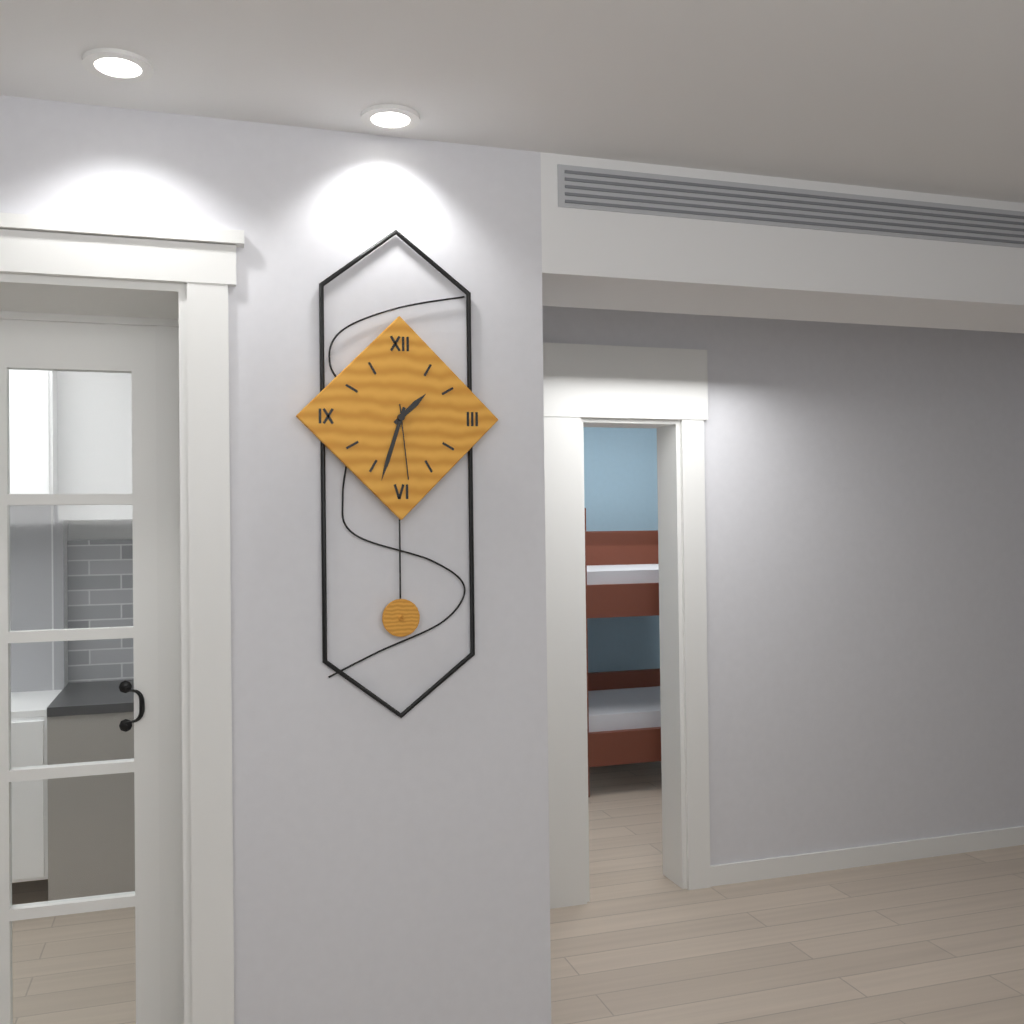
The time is 1h33m29s
